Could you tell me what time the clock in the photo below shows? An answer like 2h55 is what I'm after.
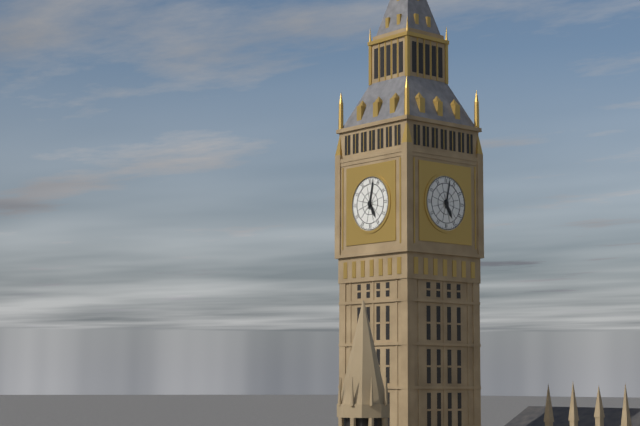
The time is 5h02
